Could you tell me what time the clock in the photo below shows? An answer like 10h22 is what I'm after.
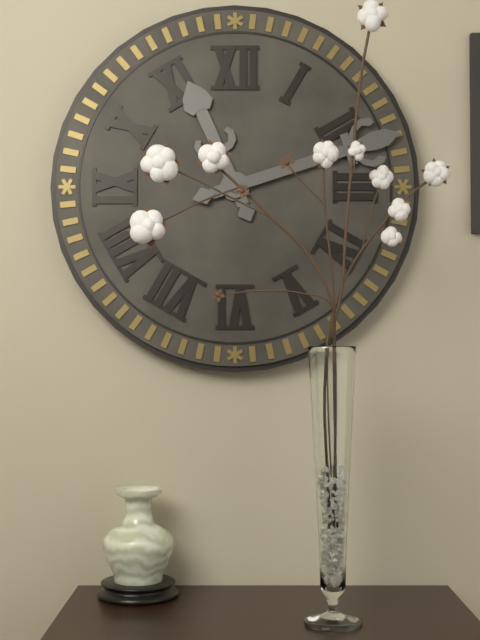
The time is 11h12
